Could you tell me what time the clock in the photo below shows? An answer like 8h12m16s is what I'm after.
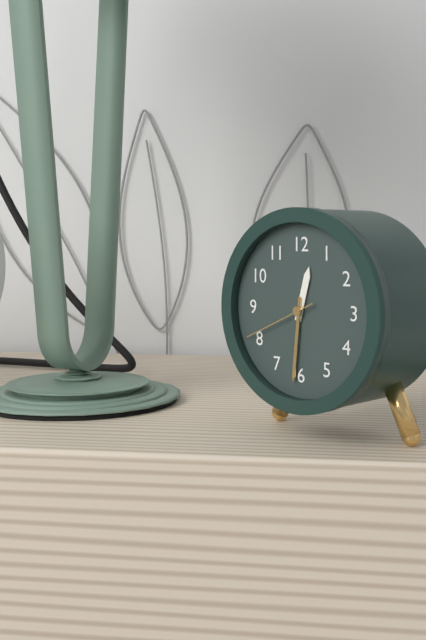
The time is 12h31m41s
